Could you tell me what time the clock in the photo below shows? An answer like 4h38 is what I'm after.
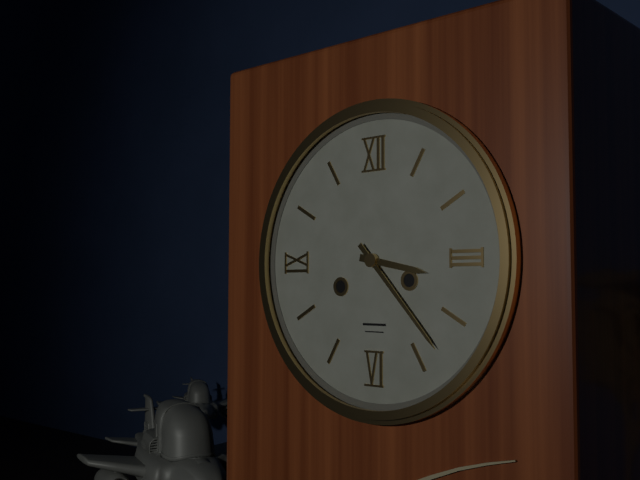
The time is 3h23
